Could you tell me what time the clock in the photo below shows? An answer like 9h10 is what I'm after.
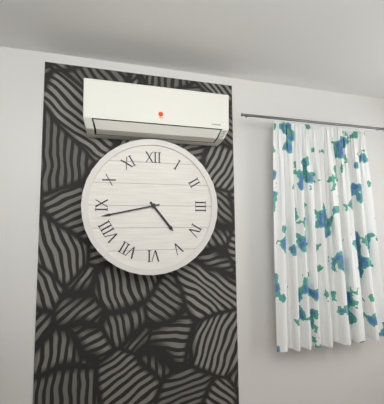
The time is 4h43
